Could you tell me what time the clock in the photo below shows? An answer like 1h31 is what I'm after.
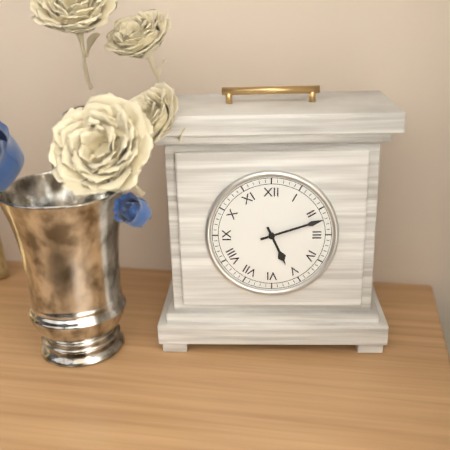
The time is 5h12
